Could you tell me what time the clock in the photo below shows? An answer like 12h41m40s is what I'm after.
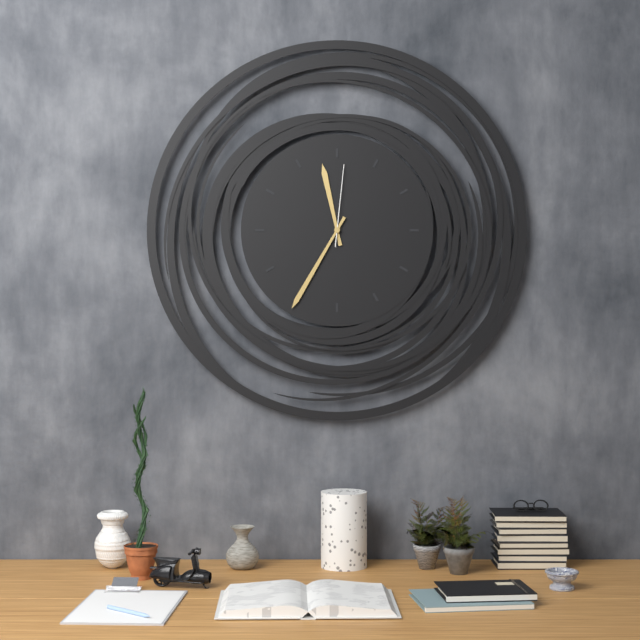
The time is 11h35m01s
